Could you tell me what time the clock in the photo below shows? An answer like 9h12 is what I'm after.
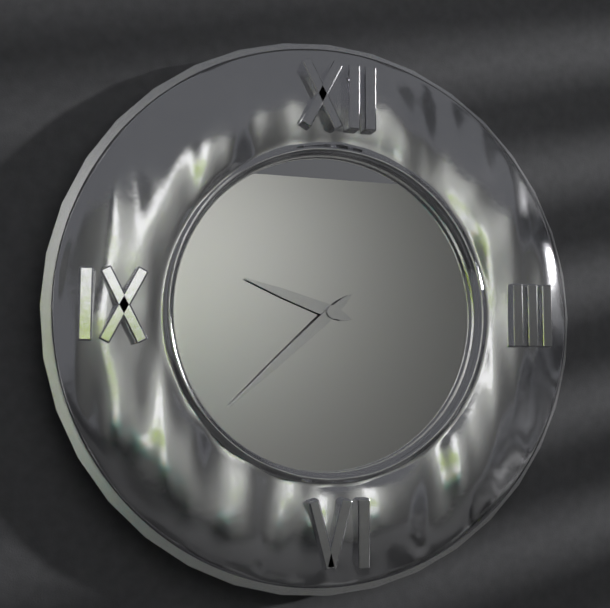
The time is 9h38
